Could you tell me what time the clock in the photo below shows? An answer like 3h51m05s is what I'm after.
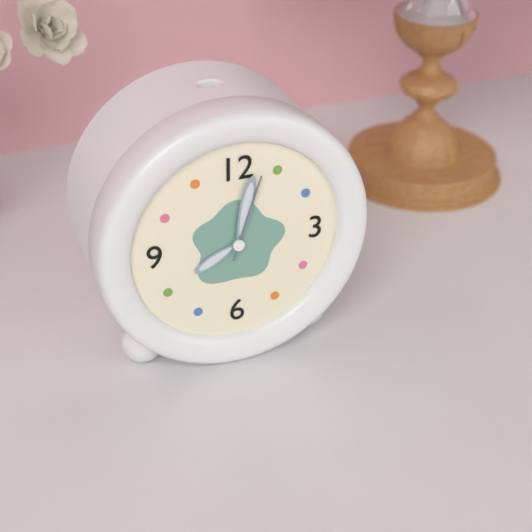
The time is 8h02m03s
